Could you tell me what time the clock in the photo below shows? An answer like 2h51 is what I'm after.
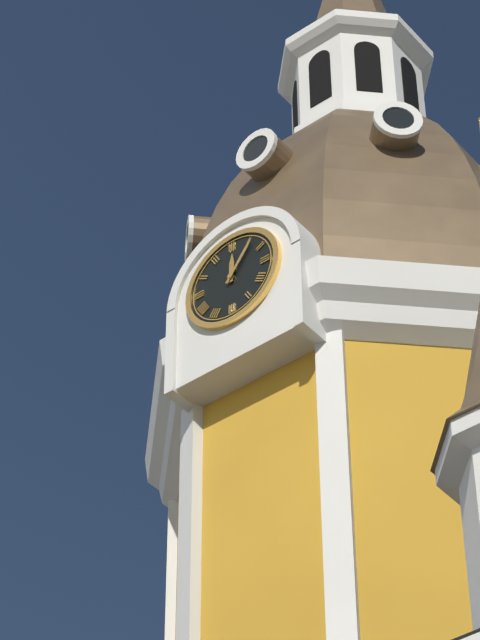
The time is 12h06
